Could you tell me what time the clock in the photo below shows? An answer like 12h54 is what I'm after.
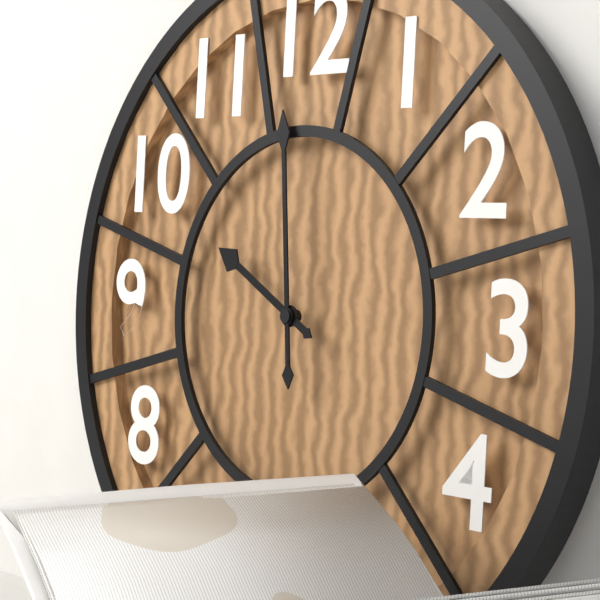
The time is 9h59
